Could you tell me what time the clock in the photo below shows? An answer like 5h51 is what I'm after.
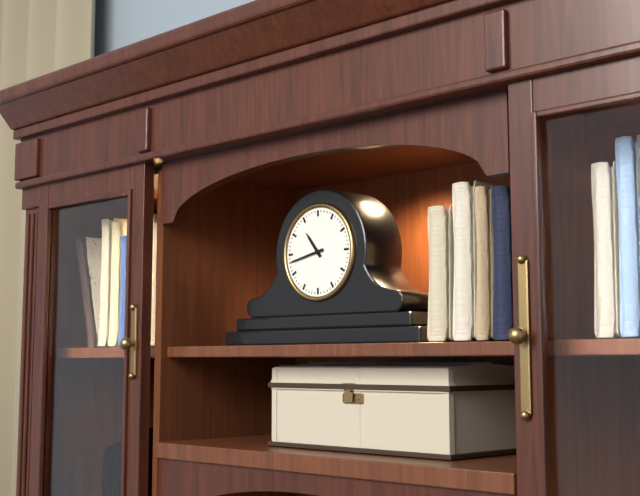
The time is 10h43
